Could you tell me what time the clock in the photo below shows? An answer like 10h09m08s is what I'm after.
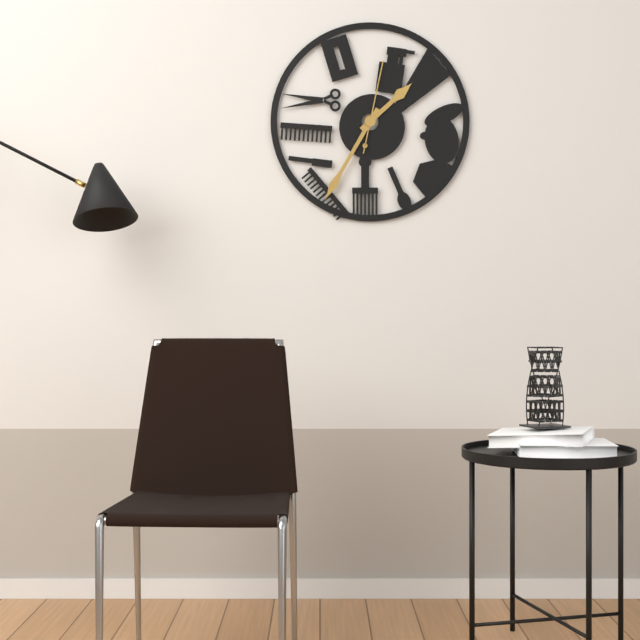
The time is 1h35m02s
